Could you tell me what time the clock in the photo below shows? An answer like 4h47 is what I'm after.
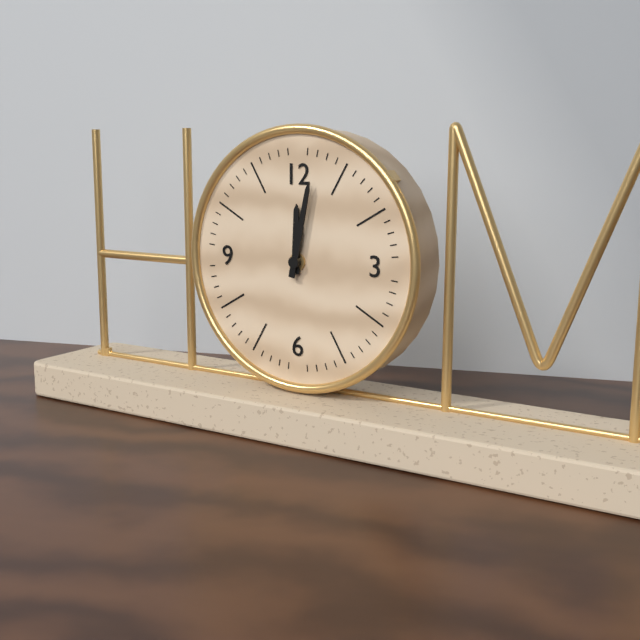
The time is 12h02
